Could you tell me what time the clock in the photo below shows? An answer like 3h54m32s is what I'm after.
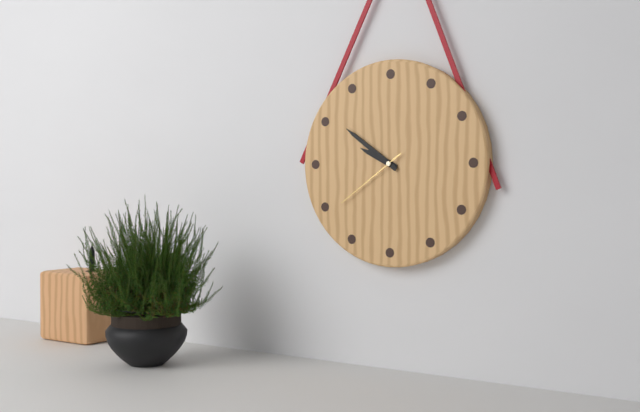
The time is 9h51m39s
